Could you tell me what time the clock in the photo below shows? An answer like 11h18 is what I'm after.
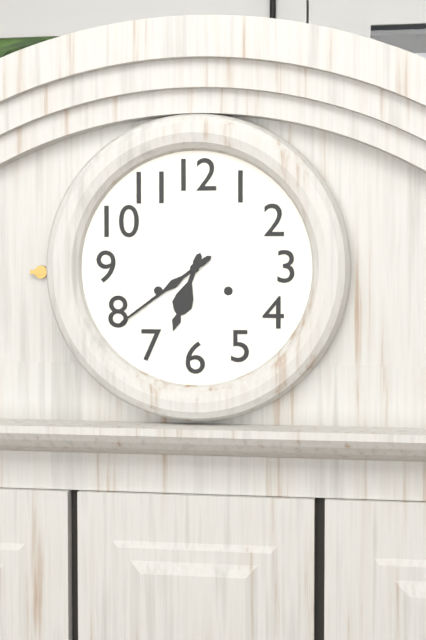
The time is 6h39
